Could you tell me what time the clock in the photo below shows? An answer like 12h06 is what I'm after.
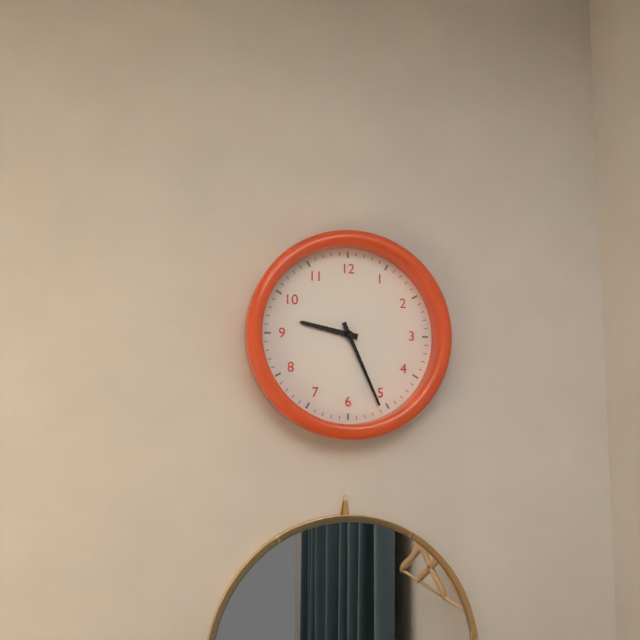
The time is 9h26
